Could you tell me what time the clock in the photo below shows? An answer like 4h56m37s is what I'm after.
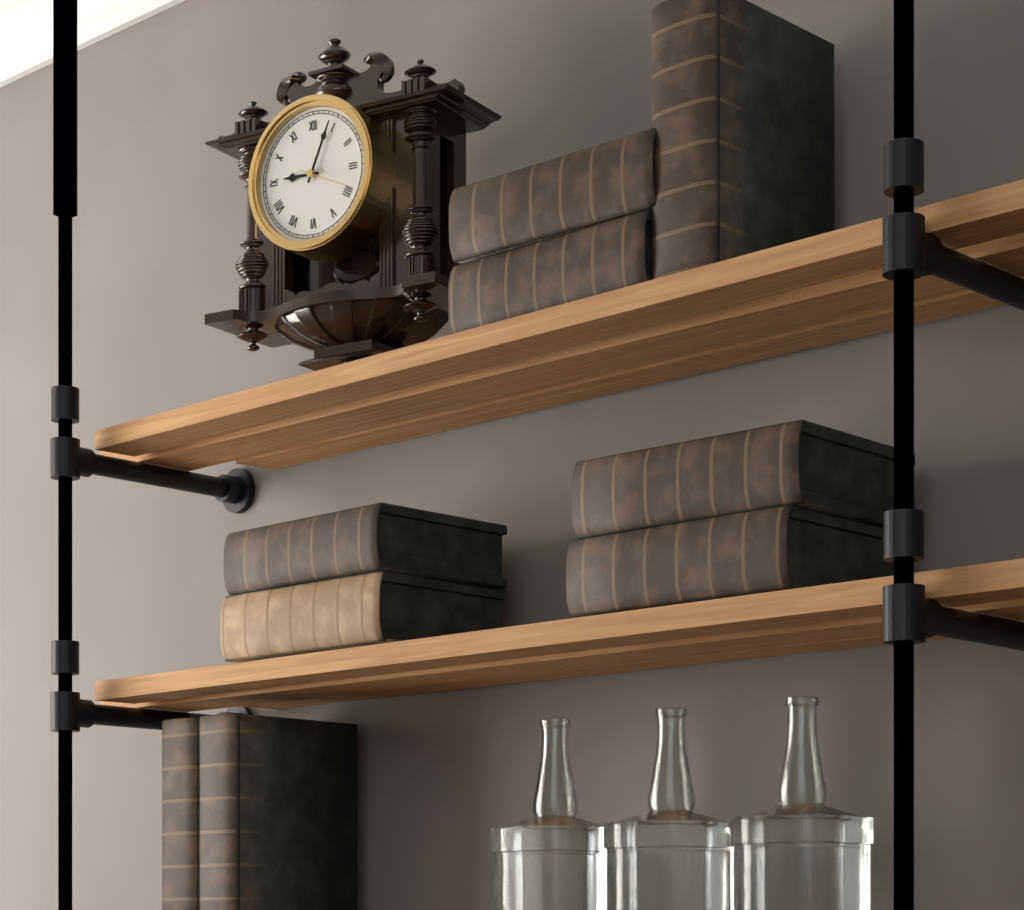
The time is 9h04m19s
